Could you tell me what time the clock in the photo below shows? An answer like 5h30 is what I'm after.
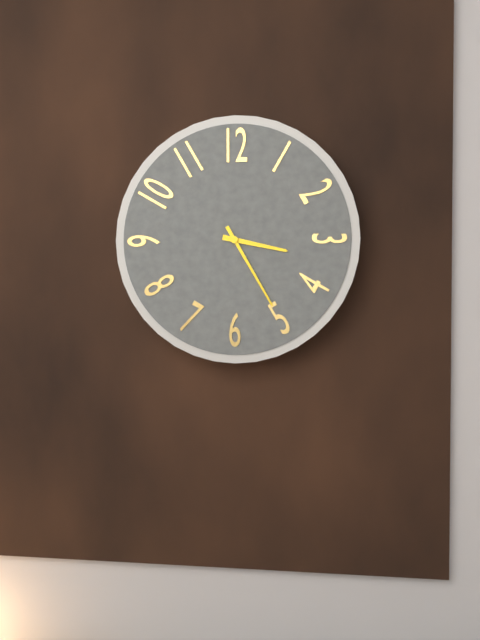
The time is 3h25
